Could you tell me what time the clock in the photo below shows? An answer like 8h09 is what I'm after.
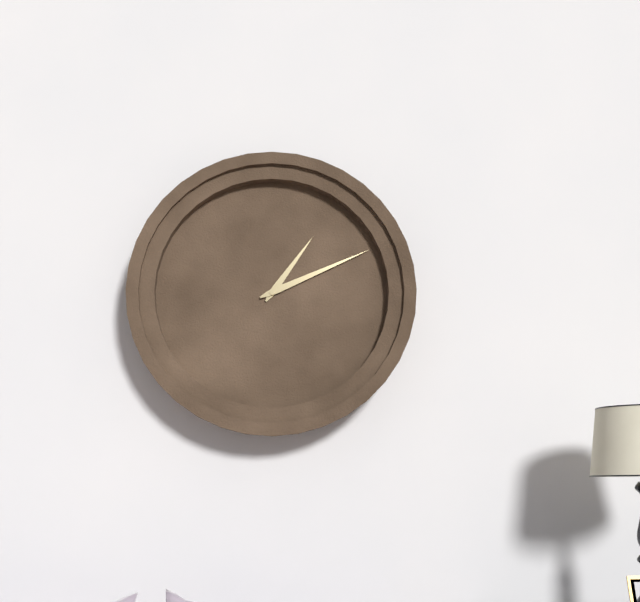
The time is 1h11
